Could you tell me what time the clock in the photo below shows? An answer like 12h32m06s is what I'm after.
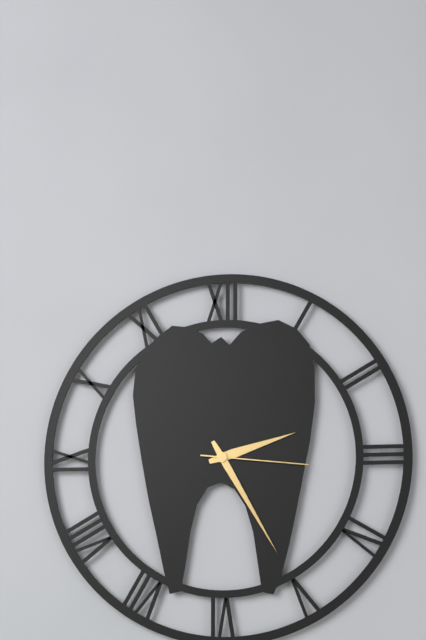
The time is 2h25m16s
